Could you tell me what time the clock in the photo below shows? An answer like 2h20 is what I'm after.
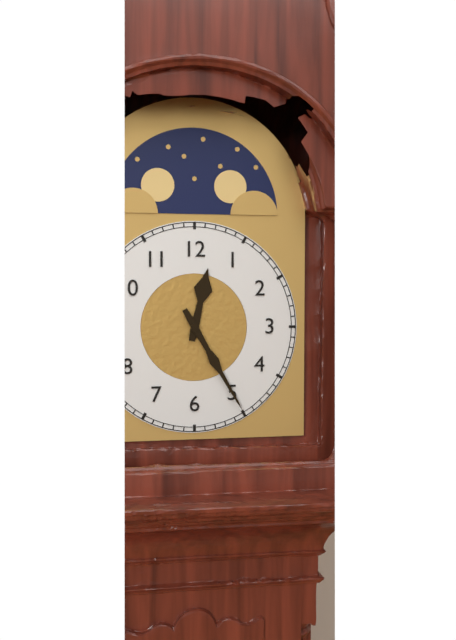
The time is 12h25
